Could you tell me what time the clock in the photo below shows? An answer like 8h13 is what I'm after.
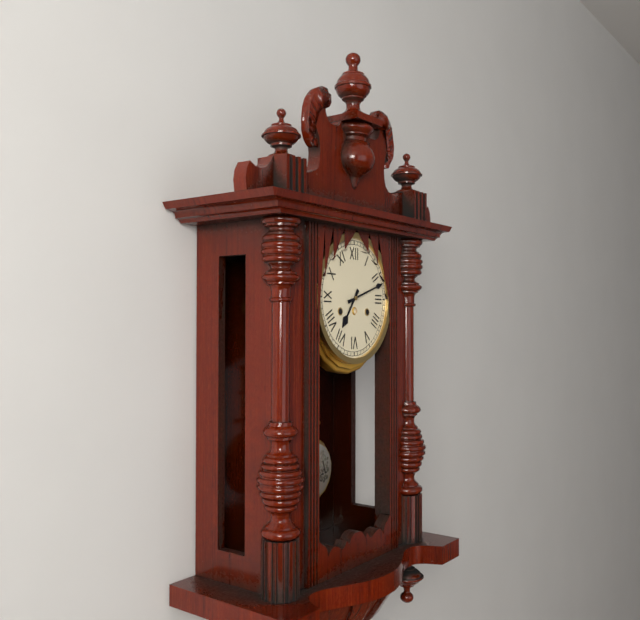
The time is 7h12
